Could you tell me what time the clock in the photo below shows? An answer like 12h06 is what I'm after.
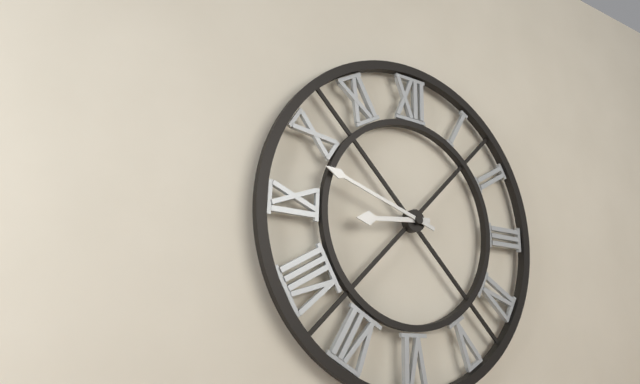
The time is 8h48
